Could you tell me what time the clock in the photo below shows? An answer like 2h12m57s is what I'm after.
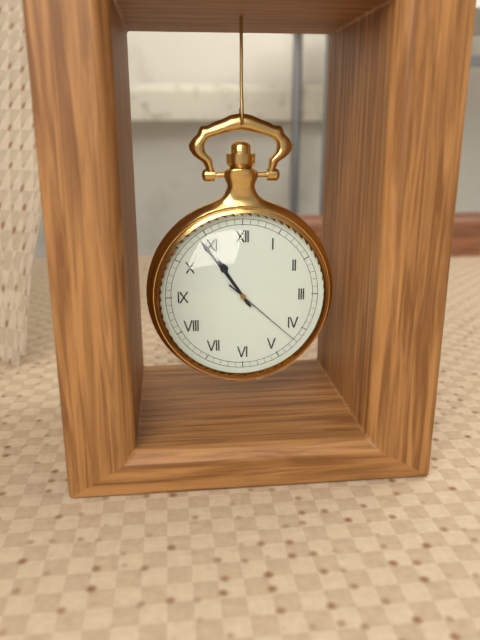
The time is 10h54m22s
